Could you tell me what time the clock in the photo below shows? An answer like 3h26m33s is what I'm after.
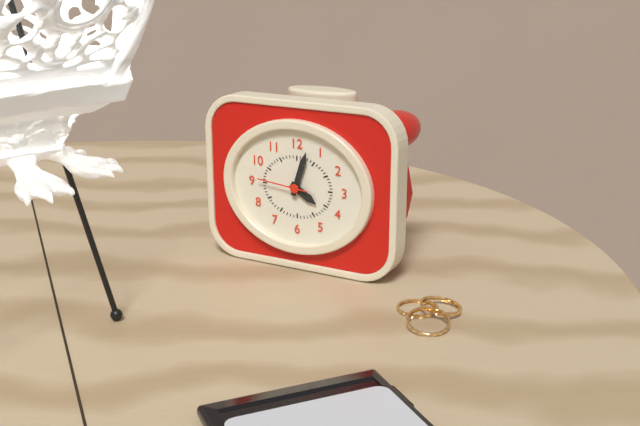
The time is 4h03m46s
